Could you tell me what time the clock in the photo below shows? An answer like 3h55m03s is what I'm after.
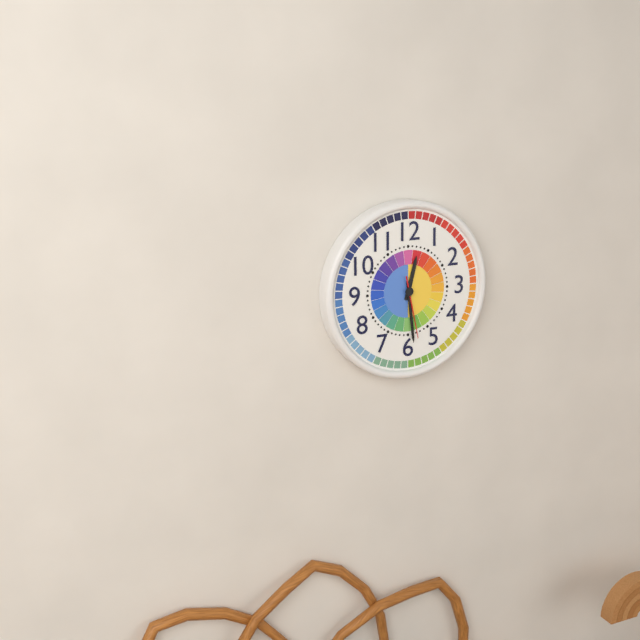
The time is 12h29m28s
